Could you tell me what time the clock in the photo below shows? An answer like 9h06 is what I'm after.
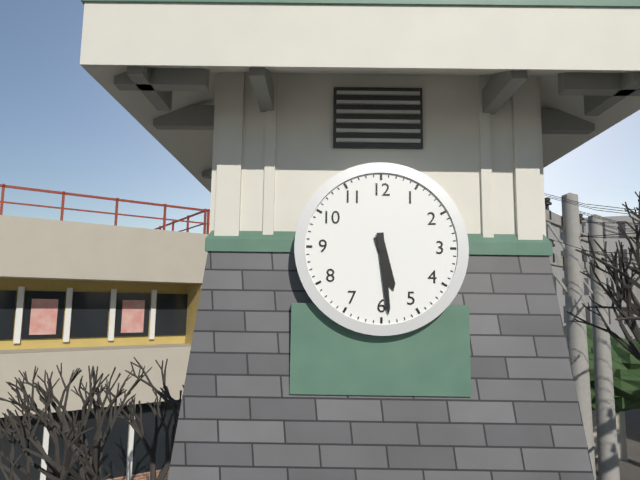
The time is 5h29
